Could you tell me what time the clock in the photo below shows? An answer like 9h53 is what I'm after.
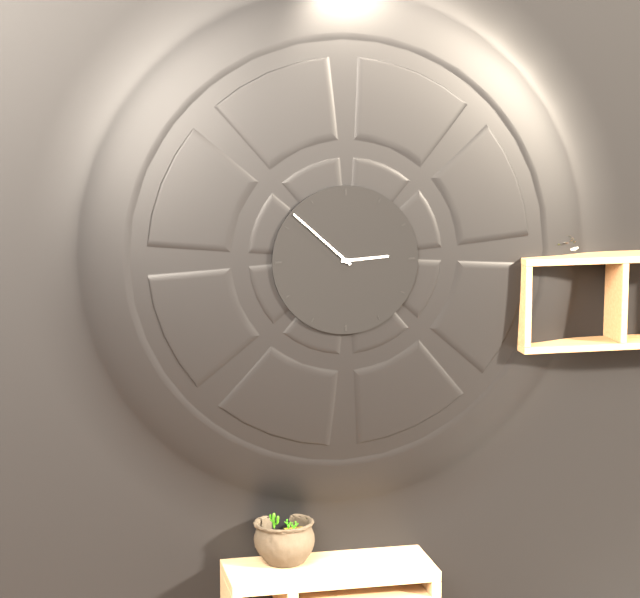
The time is 2h52
